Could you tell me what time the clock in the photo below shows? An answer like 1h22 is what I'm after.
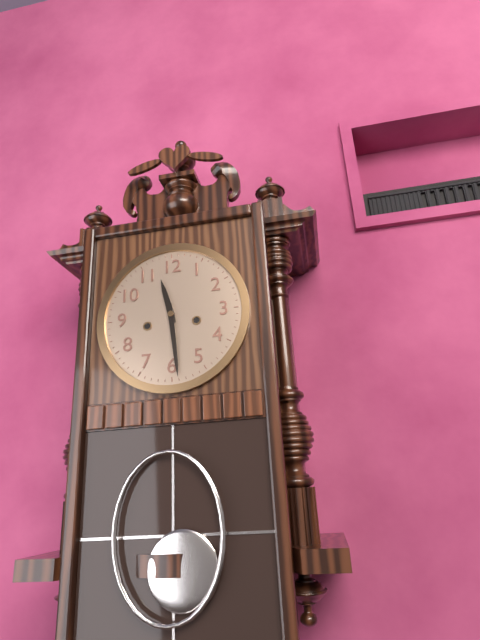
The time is 11h29
